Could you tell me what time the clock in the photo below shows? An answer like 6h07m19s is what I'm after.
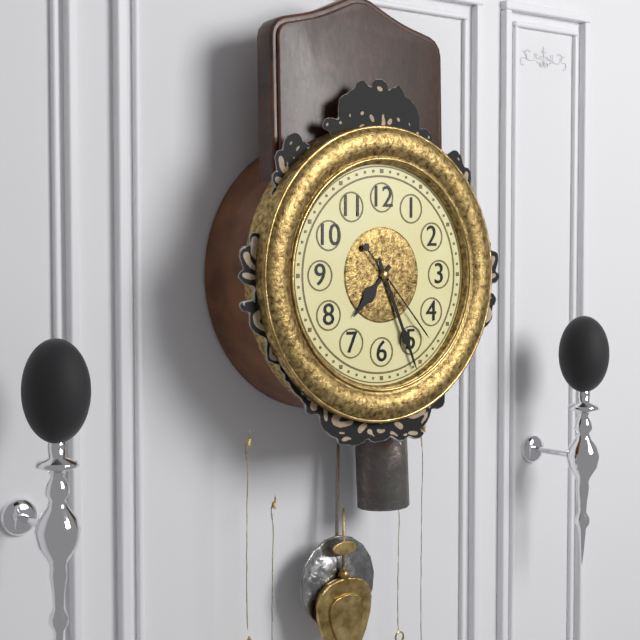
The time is 7h26m23s
